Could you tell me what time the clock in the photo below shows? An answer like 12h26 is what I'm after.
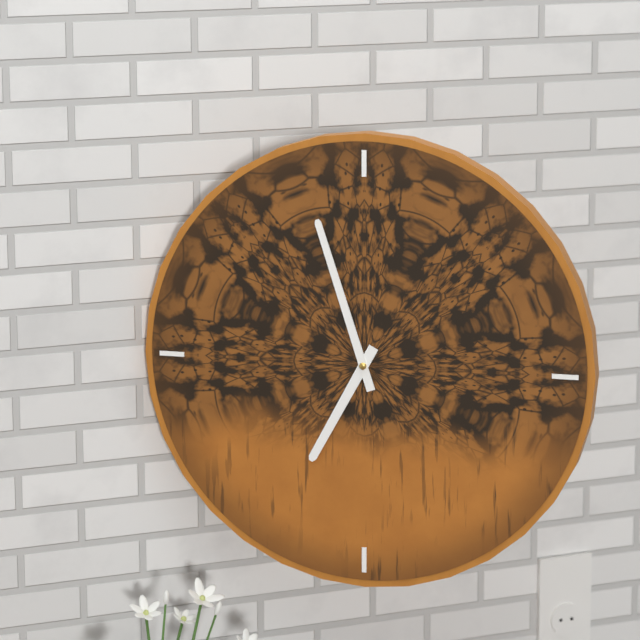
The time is 6h57
